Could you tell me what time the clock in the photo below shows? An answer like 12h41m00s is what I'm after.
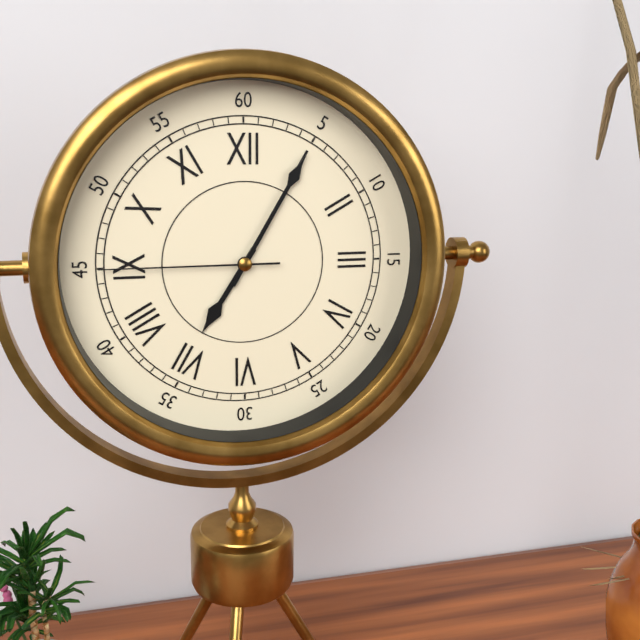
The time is 7h05m45s
